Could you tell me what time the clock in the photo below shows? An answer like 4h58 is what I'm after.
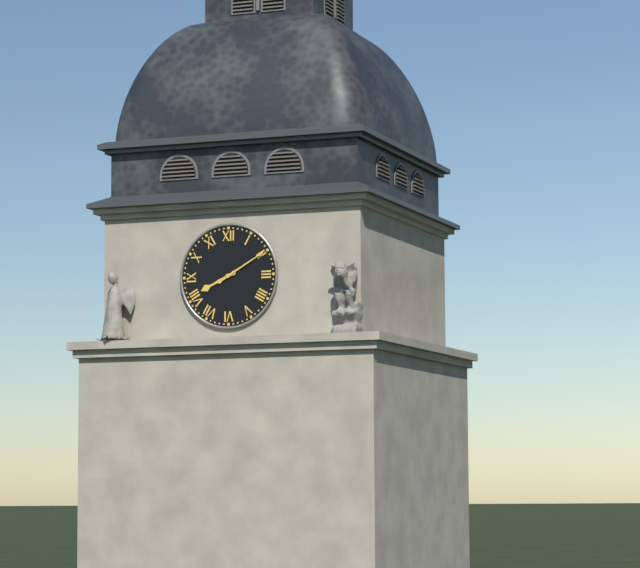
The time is 8h10
